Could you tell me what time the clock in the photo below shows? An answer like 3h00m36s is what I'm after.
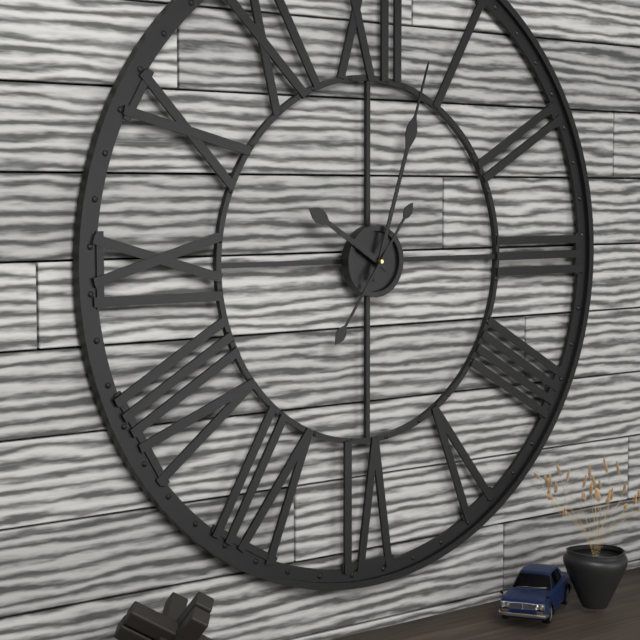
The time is 10h03m36s
